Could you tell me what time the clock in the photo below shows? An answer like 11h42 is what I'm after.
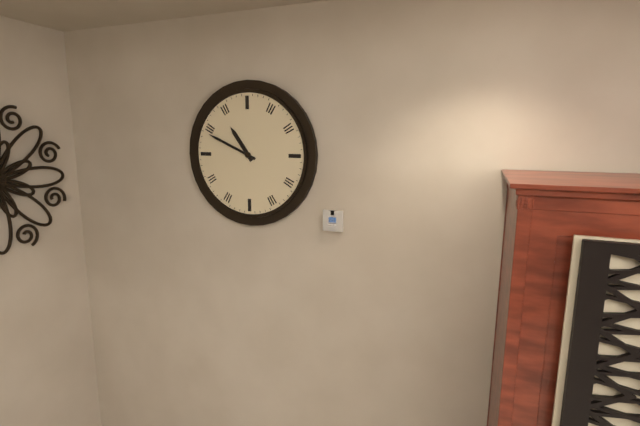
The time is 10h49
